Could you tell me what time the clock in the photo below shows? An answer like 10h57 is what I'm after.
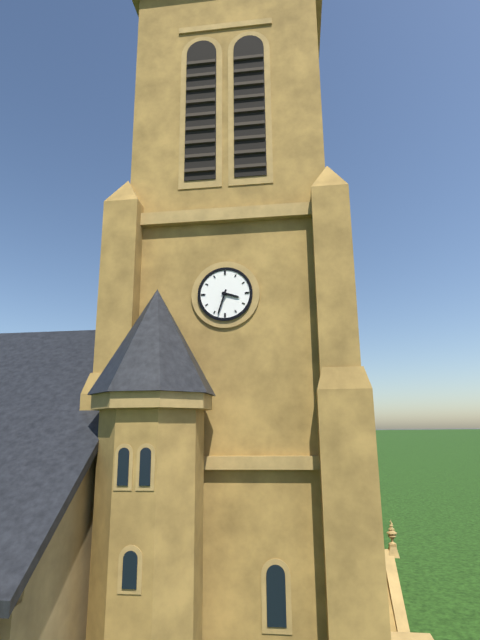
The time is 3h33
